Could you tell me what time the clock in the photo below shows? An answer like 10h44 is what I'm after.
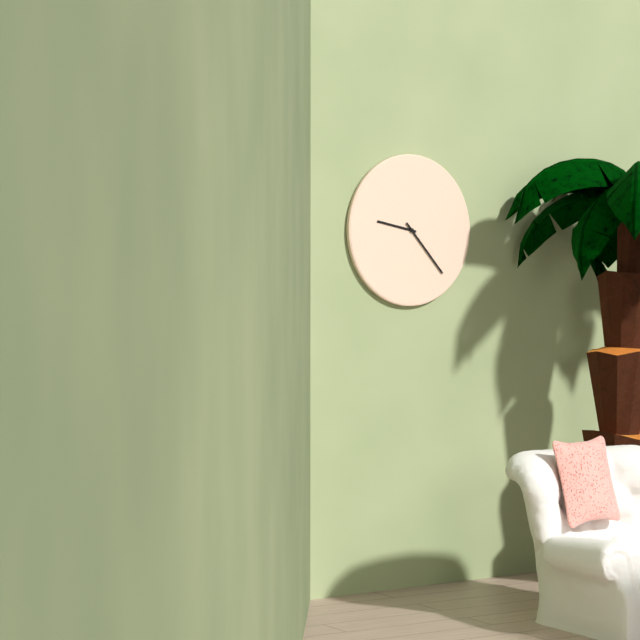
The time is 9h23
